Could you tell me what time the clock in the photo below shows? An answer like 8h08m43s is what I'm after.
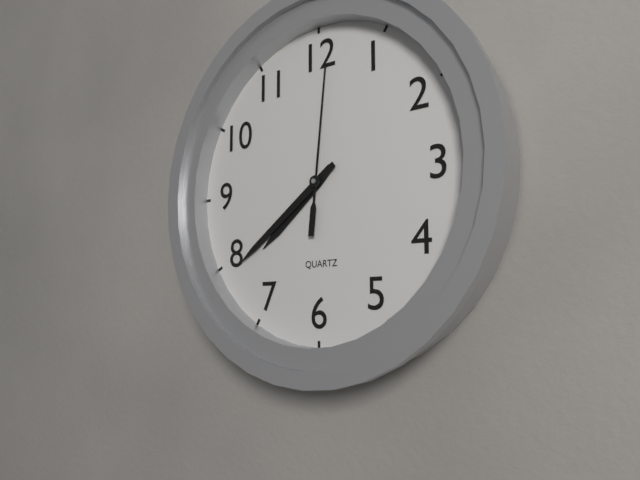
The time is 7h39m01s
